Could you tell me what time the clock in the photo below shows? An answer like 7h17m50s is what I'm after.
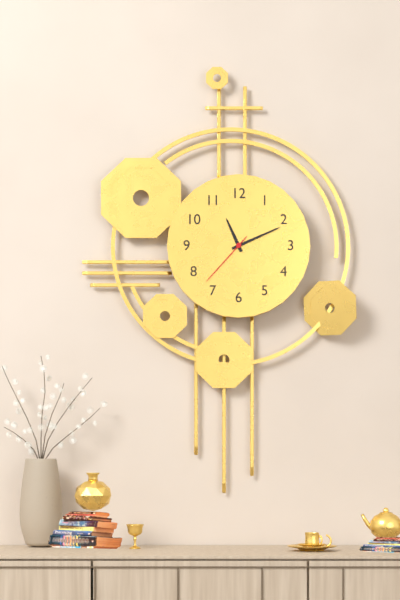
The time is 11h11m37s
